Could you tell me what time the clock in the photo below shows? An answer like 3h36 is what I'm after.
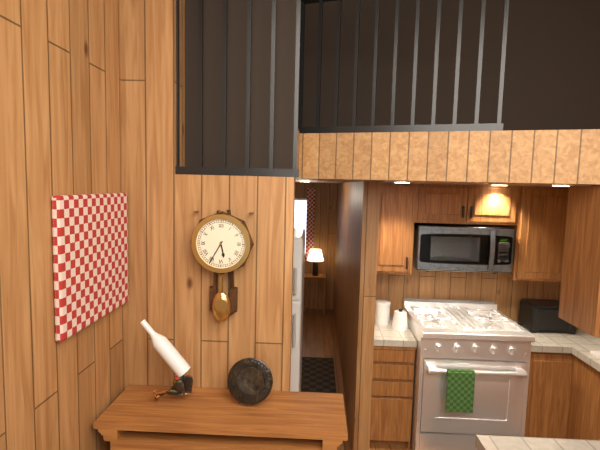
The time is 5h35
